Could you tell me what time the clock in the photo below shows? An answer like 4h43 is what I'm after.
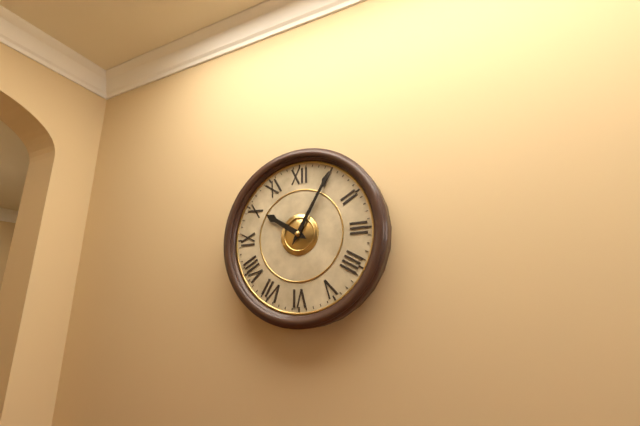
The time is 10h05
